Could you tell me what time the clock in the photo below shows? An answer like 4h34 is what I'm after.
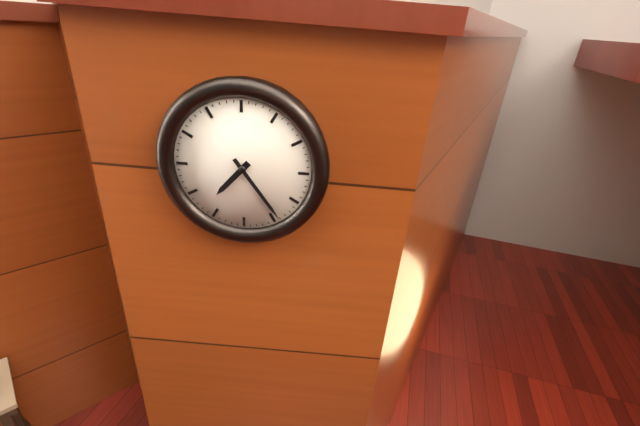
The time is 7h24
